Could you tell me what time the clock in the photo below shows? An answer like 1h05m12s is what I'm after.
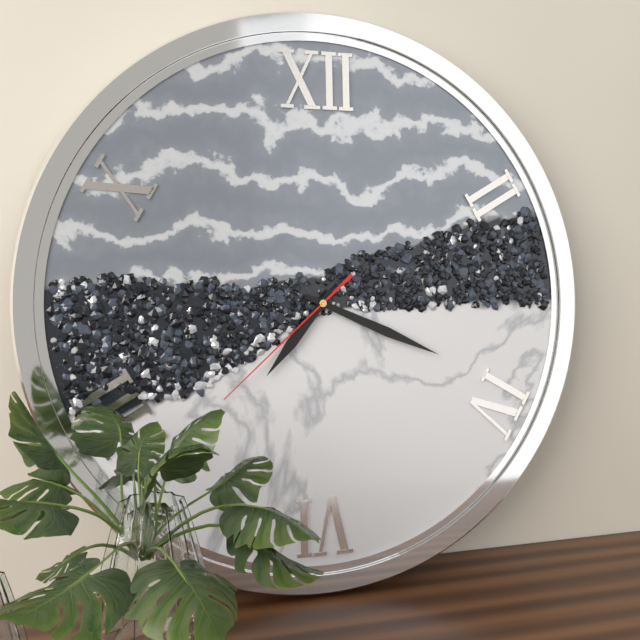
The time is 7h19m38s
